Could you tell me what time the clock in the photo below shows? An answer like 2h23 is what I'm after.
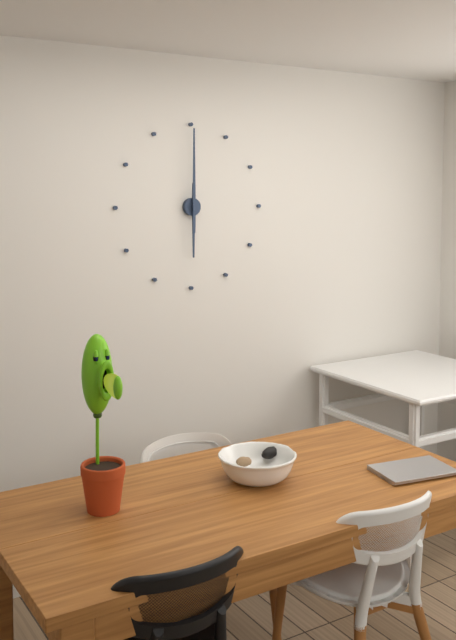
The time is 6h00
